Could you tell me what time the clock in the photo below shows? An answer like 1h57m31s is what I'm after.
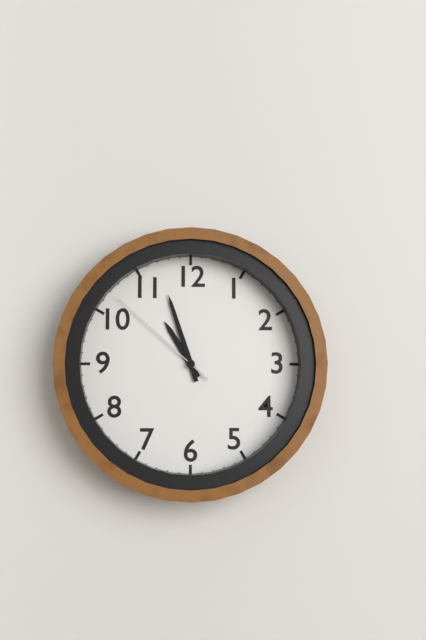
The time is 10h57m52s
